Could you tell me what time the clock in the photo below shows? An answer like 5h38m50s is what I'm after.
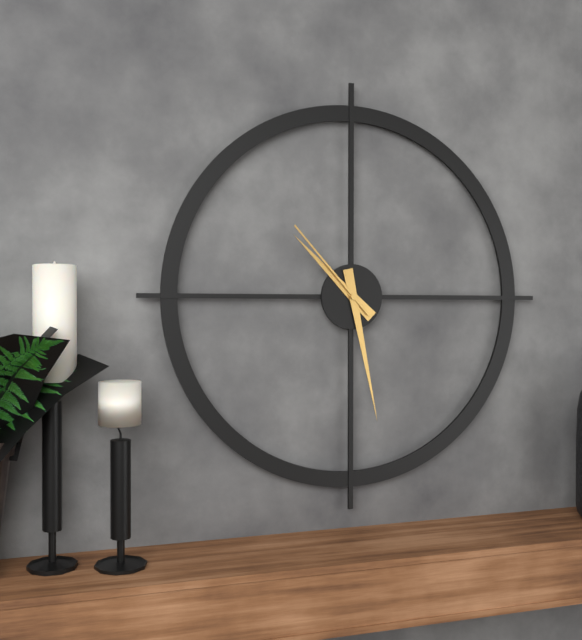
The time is 10h28m53s
